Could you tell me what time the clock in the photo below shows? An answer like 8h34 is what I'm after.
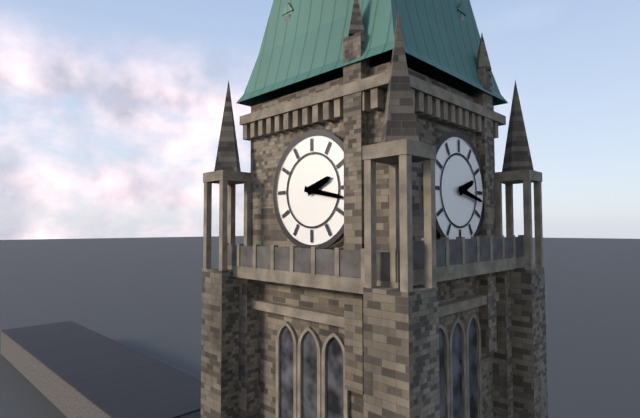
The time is 2h17
